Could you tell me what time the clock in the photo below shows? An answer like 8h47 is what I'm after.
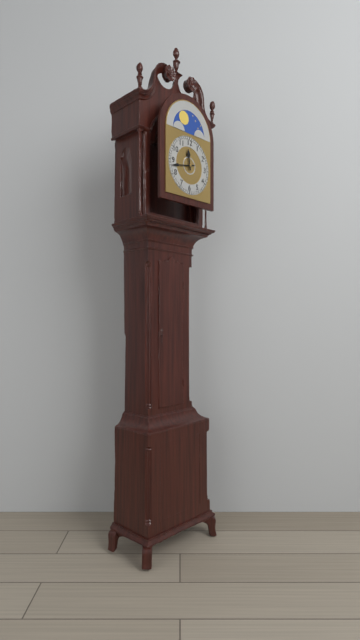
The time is 11h43
